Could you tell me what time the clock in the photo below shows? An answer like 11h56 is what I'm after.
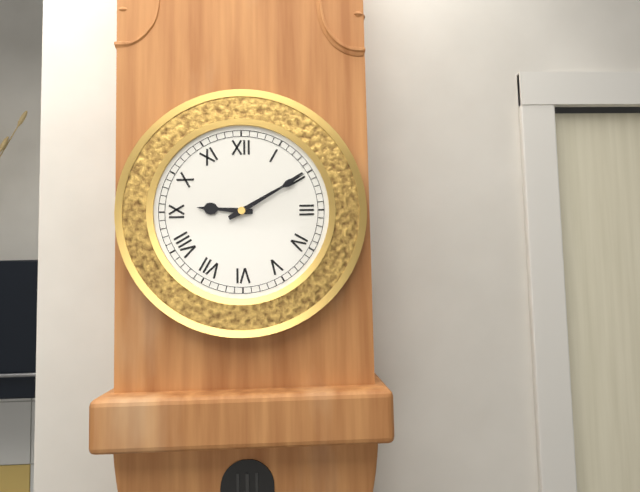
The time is 9h10
